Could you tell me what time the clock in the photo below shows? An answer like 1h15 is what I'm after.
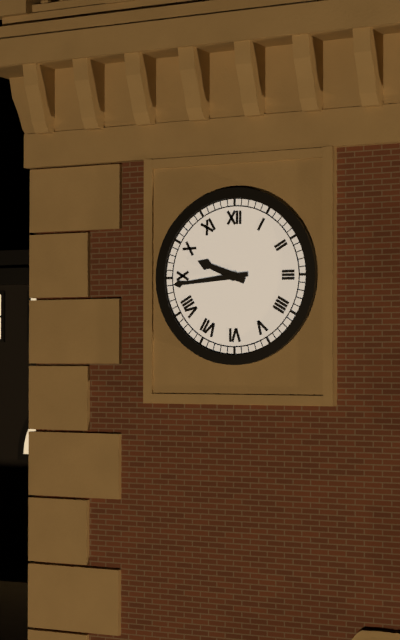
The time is 9h44
